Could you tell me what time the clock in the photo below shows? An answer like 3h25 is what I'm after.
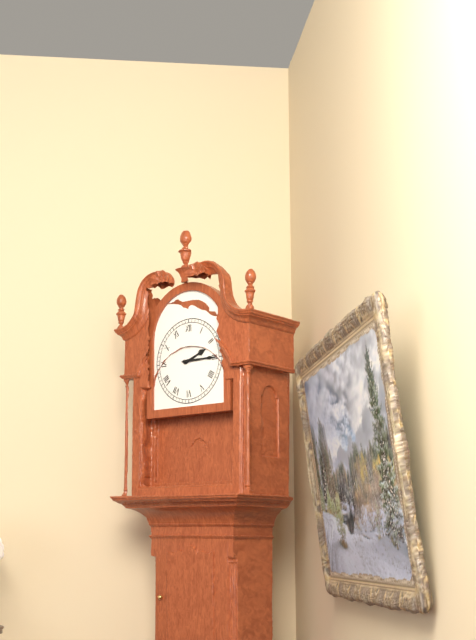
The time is 2h15
